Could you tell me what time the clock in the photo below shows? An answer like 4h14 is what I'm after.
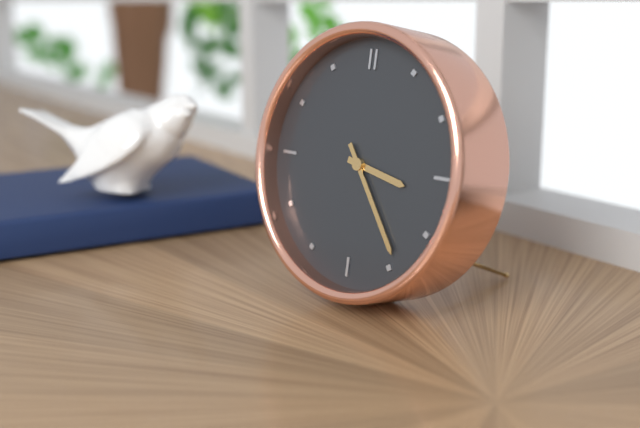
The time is 3h24
